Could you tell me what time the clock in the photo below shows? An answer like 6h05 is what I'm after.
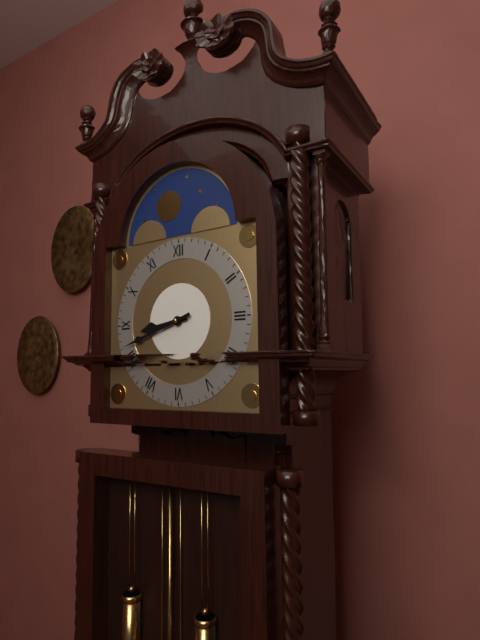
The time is 8h42
